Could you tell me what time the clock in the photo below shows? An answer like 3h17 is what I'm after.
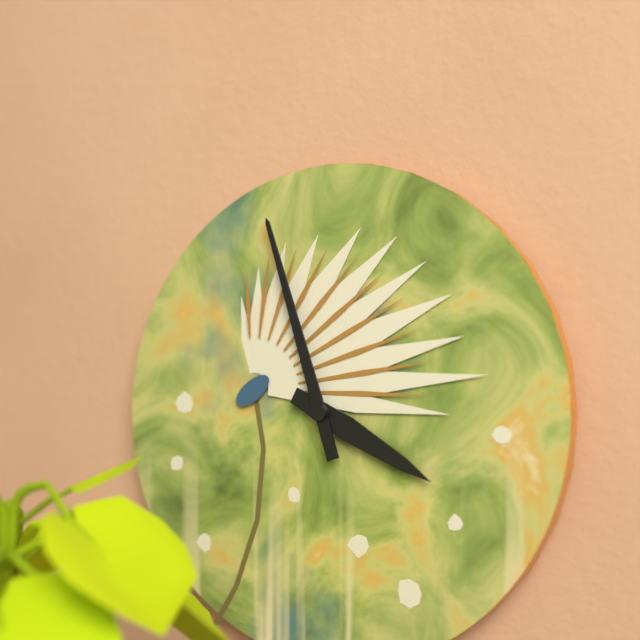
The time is 3h57
